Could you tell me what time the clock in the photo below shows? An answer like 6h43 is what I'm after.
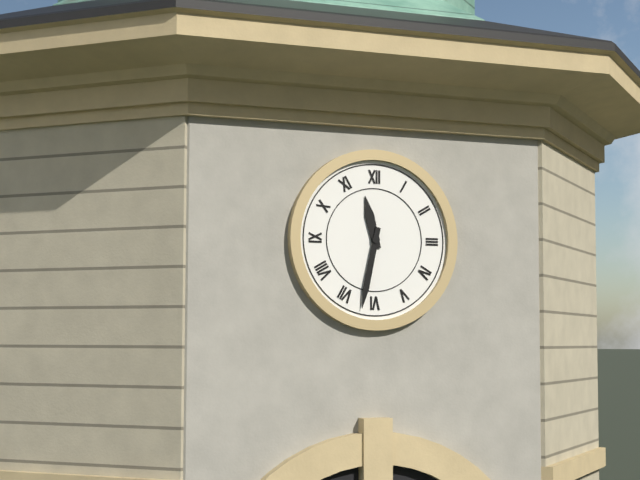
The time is 11h32
